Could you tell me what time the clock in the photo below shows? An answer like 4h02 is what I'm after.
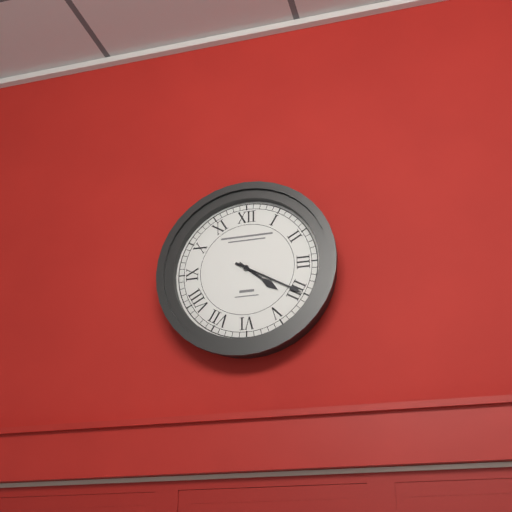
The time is 4h20
